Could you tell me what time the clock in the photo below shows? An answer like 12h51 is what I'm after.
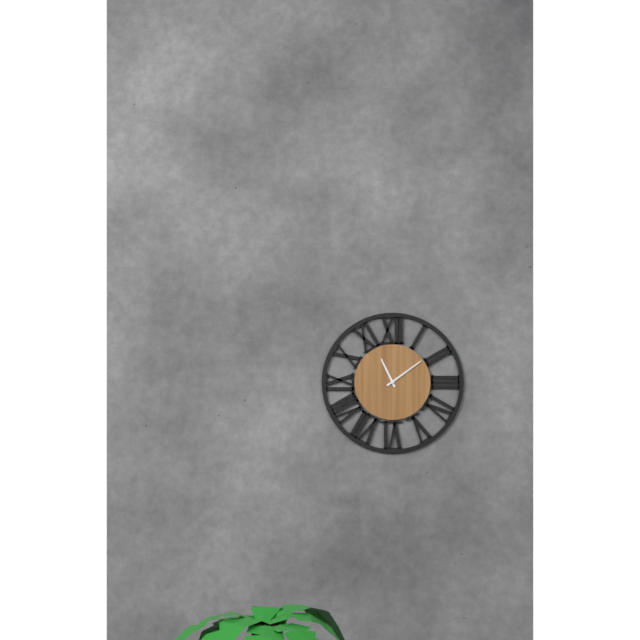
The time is 11h09
